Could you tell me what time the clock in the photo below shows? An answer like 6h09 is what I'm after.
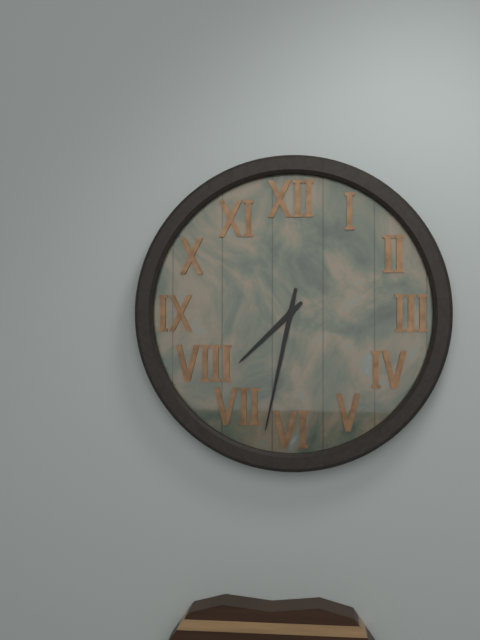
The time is 7h32
